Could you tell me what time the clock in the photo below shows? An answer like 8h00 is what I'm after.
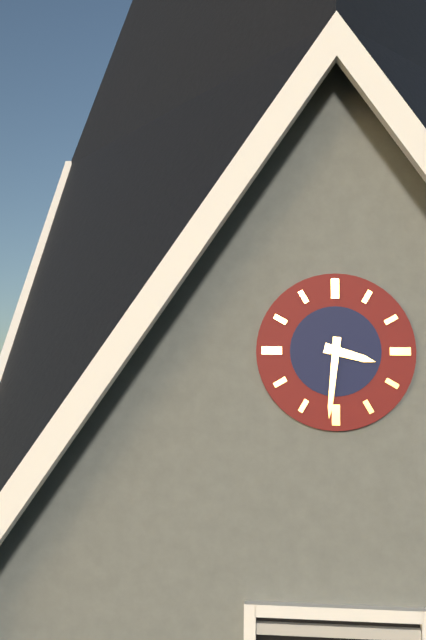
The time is 3h31
